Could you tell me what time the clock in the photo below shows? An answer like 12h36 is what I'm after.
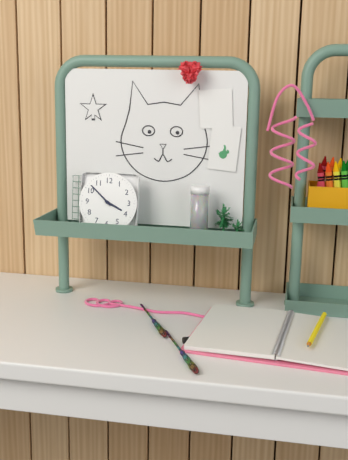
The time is 3h52
